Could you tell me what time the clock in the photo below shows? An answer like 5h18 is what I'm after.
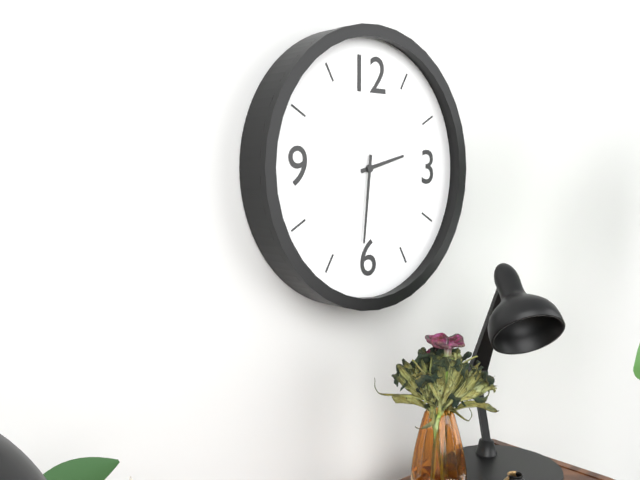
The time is 2h31
